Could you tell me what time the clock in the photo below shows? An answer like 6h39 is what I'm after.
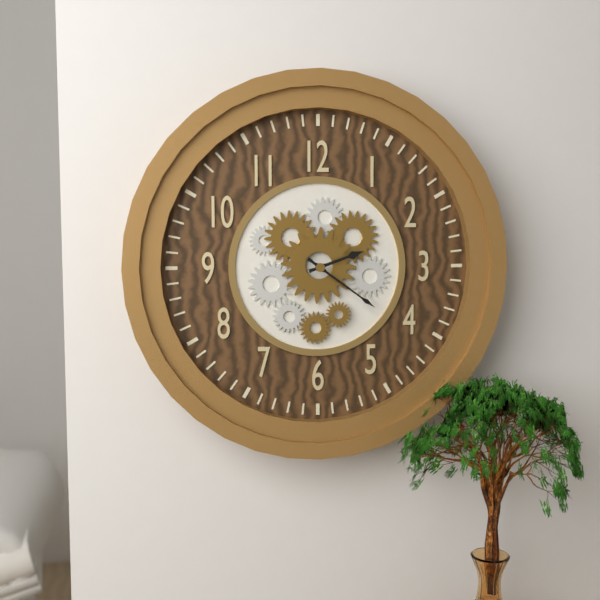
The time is 2h21
